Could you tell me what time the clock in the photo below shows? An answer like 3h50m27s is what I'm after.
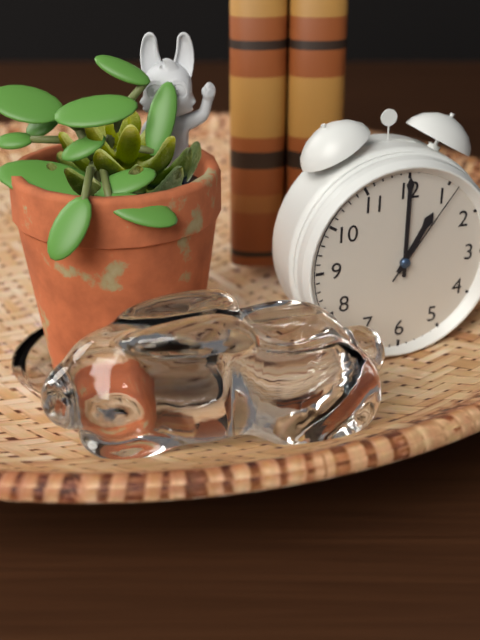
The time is 1h00m06s
